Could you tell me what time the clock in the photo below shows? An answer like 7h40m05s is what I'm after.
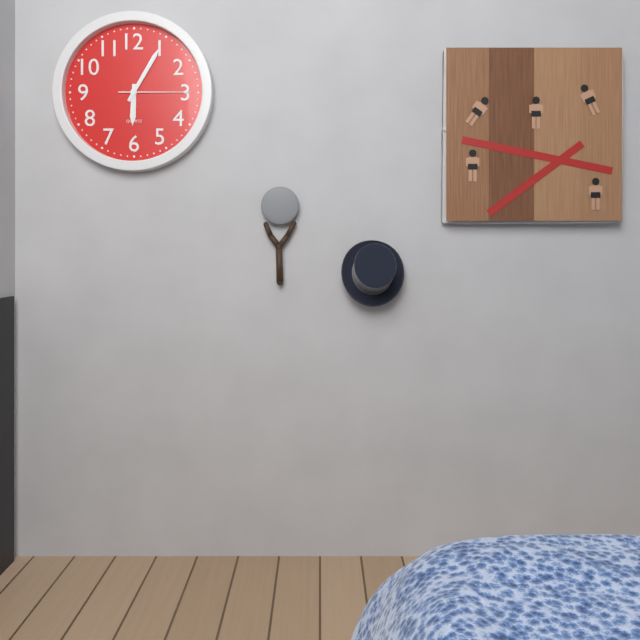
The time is 6h05m15s
